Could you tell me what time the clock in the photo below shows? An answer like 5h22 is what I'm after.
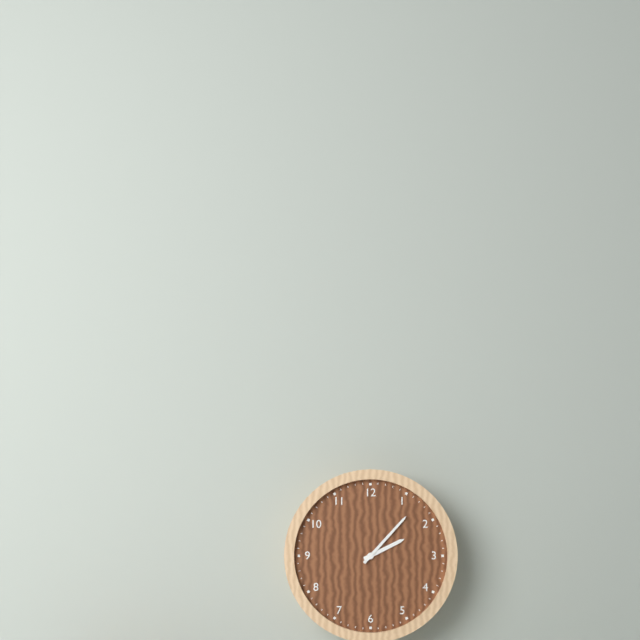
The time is 2h07
